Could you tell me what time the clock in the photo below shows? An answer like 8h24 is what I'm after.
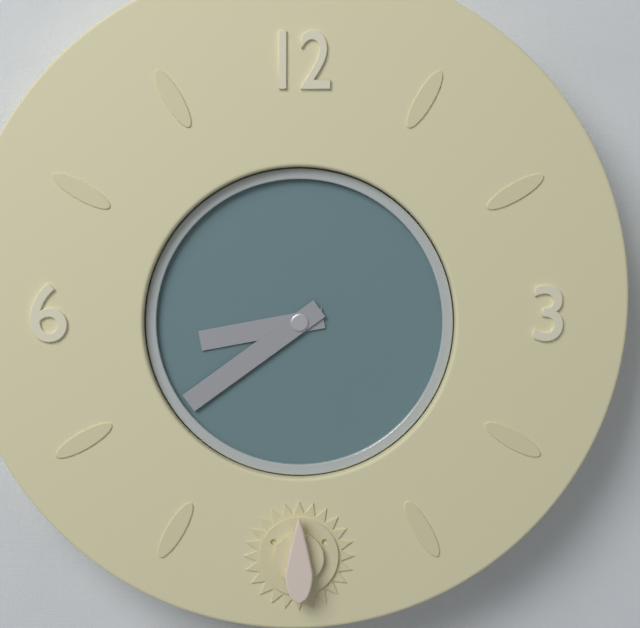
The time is 8h39
